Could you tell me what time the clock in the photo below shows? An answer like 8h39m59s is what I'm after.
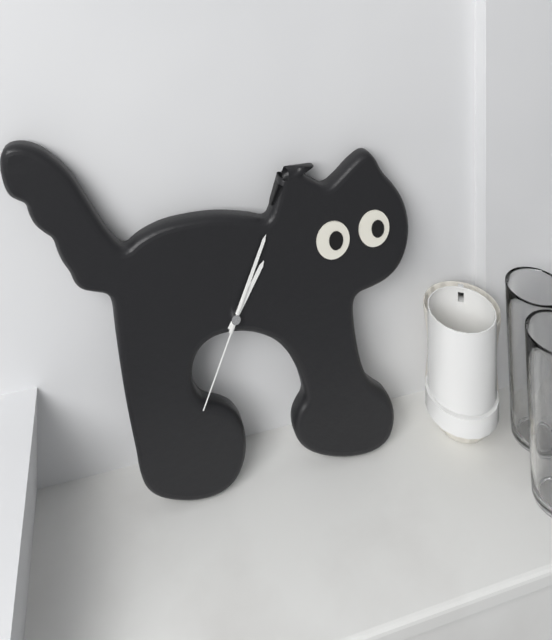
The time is 1h04m34s
